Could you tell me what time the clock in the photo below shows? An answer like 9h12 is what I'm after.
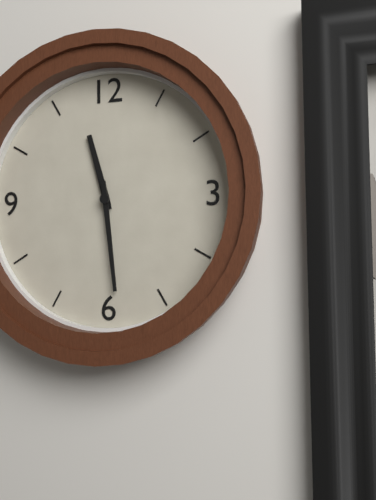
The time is 11h29
